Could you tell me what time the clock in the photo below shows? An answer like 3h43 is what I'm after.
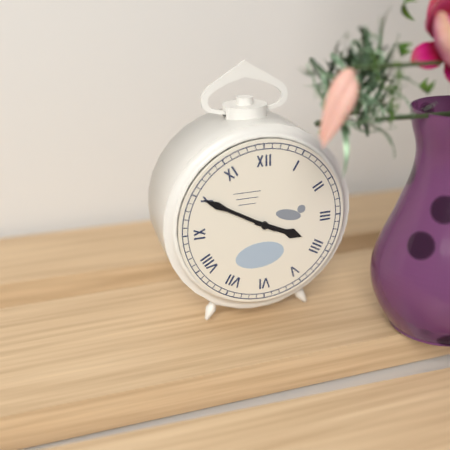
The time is 3h50
